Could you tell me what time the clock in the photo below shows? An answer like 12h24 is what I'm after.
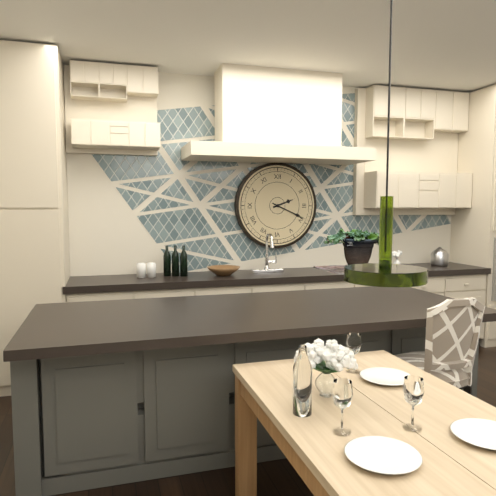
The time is 2h19
